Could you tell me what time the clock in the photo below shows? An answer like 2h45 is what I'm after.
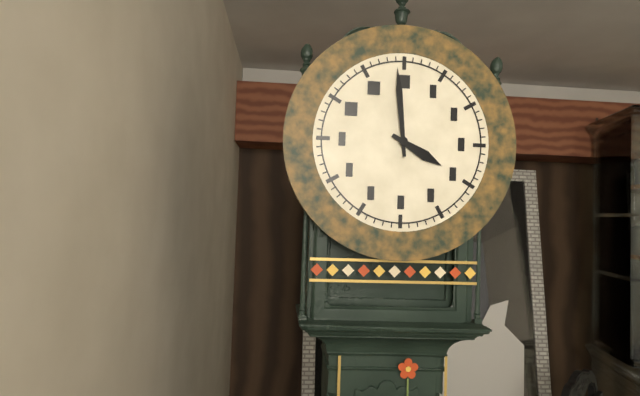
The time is 3h59
